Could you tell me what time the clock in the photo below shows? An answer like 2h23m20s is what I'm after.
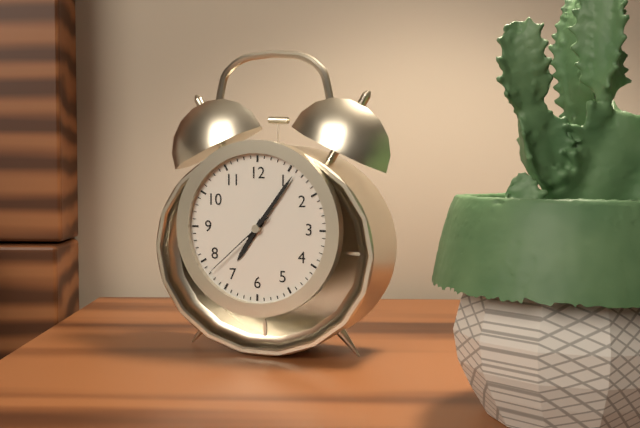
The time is 7h06m38s
